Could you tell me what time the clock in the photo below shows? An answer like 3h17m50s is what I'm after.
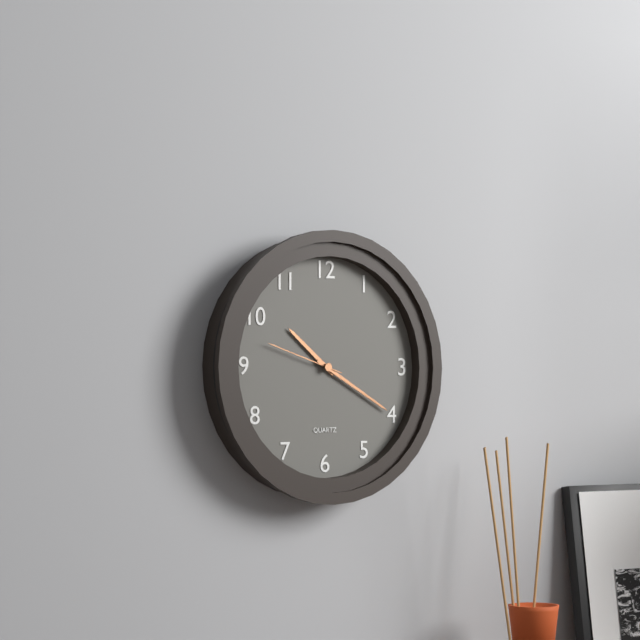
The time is 10h20m48s
